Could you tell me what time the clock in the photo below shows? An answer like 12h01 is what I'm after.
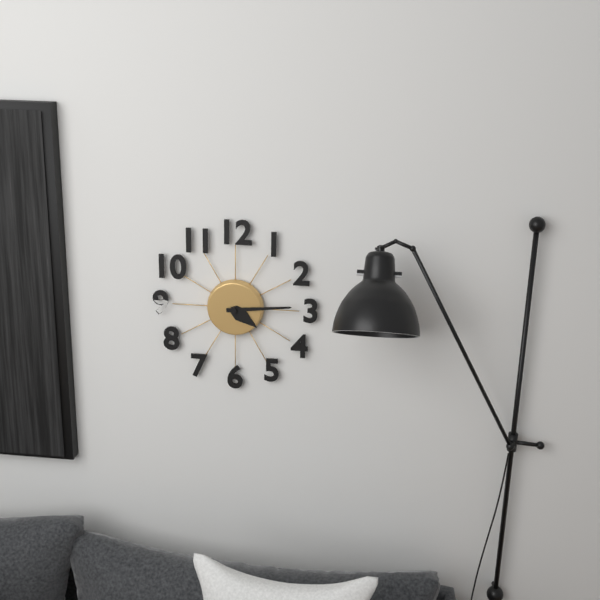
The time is 4h14
